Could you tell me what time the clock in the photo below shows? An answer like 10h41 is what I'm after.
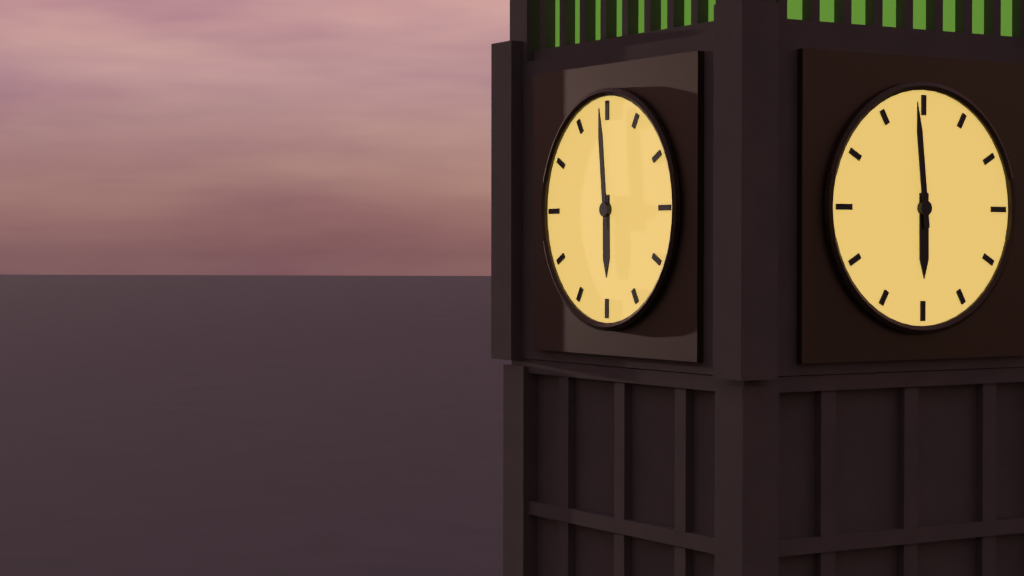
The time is 5h59
